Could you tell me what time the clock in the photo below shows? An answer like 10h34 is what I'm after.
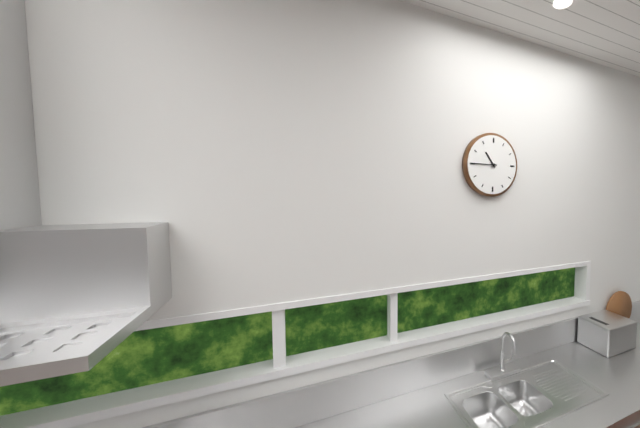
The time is 10h45
